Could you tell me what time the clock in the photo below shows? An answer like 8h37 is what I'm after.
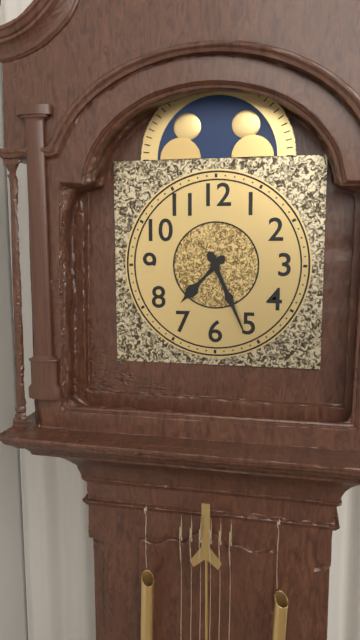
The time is 7h26
